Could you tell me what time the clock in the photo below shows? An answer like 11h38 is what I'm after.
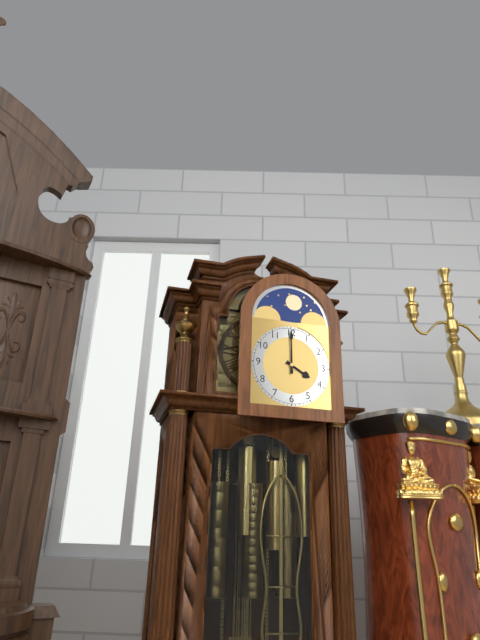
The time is 4h00
